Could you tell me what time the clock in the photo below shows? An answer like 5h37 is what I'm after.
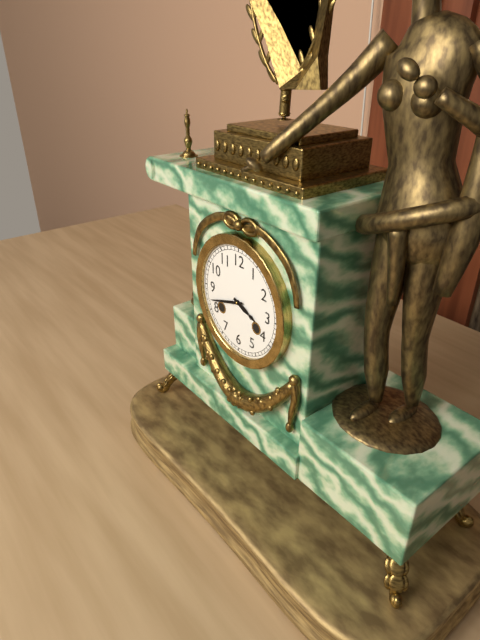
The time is 3h42
